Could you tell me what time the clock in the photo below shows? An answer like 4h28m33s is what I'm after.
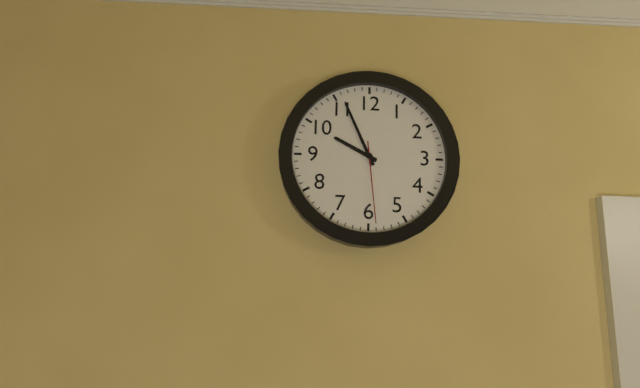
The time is 9h56m29s
